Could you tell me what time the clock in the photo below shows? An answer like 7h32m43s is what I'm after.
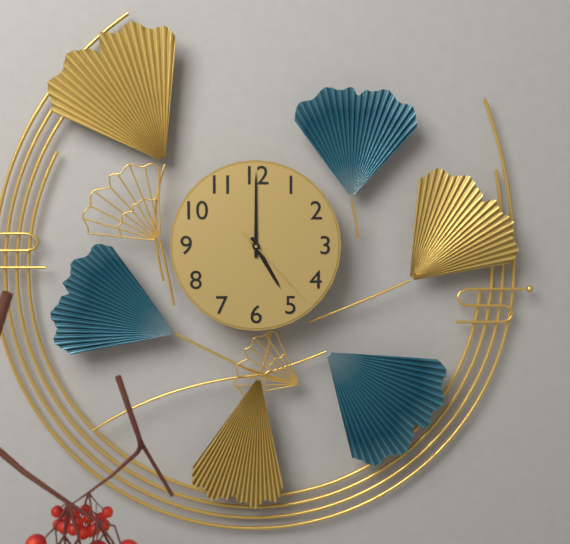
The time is 5h00m23s
